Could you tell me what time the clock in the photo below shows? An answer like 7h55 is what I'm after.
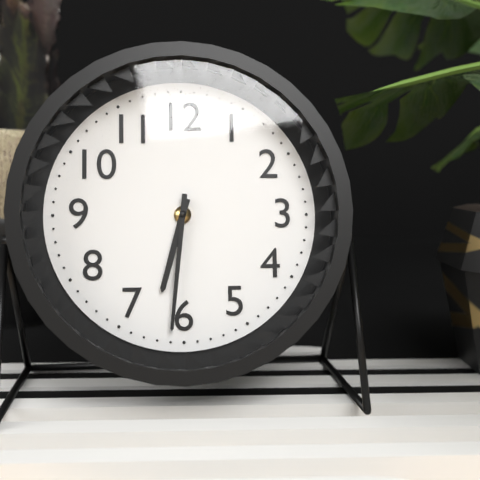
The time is 6h31
